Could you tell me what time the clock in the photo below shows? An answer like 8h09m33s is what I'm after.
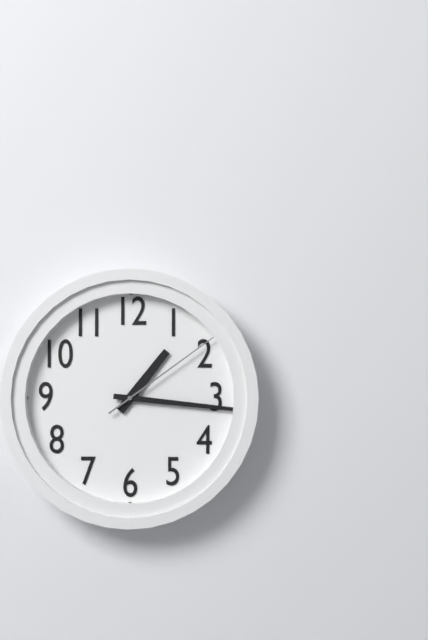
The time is 1h16m09s
